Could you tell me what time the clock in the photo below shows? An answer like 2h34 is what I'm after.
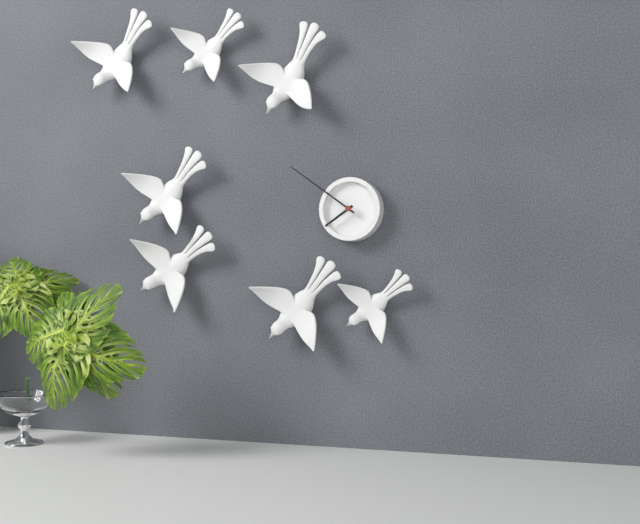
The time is 7h51
